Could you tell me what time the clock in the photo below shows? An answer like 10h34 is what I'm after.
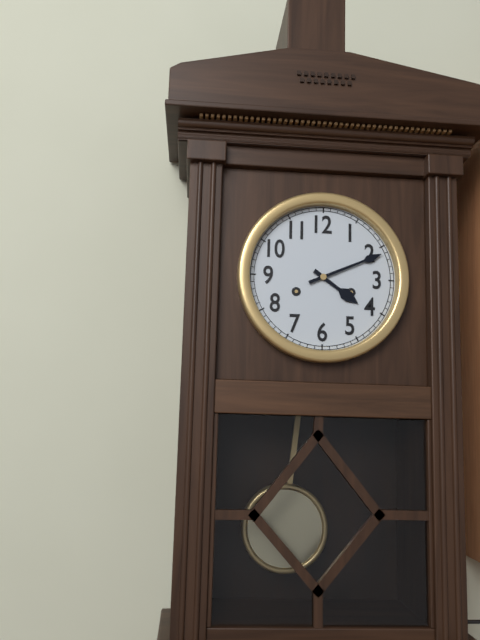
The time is 4h11
